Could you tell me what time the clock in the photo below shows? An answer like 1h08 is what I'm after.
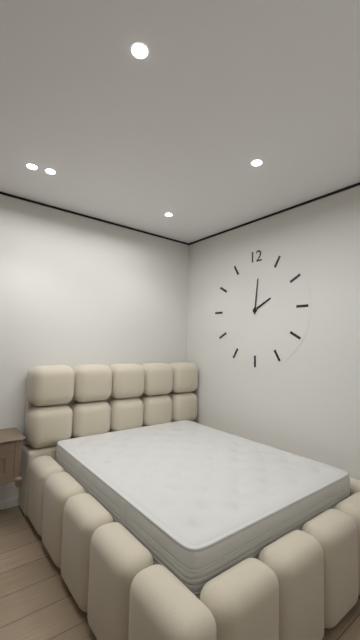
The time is 2h01
